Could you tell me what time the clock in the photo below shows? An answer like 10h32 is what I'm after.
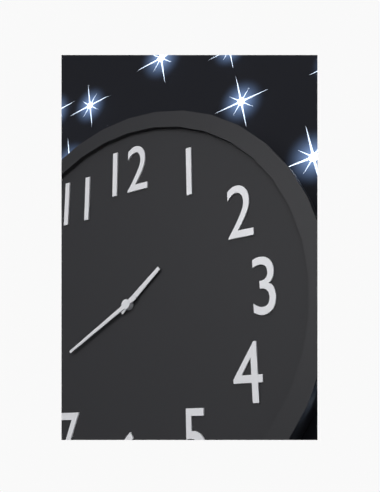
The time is 1h40
